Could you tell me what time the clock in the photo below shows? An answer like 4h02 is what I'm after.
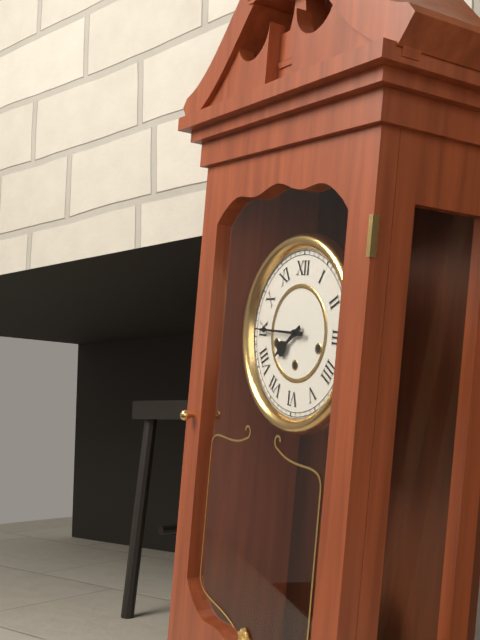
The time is 7h45
